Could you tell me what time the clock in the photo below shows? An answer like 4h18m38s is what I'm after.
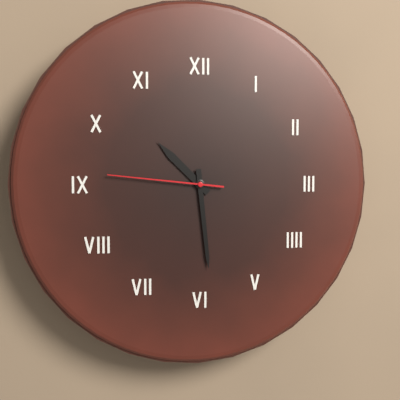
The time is 10h29m46s
